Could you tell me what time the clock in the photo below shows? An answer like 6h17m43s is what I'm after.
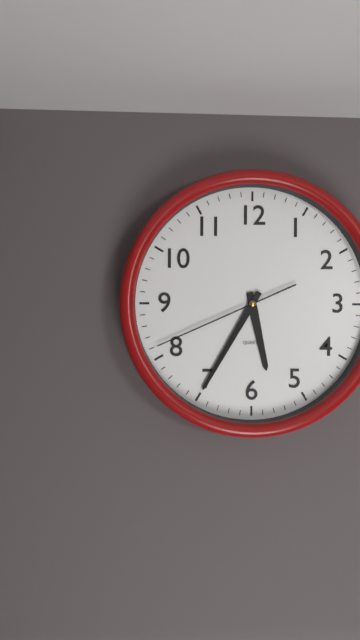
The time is 5h35m41s
